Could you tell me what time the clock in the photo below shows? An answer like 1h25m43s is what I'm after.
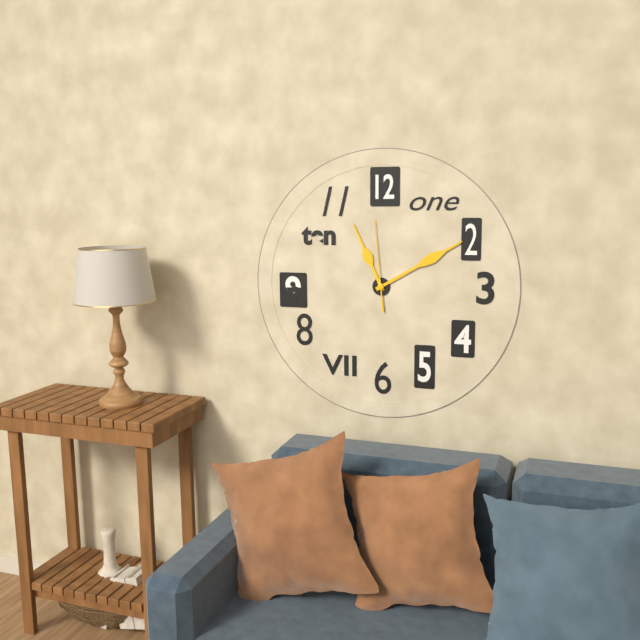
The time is 11h10m59s
